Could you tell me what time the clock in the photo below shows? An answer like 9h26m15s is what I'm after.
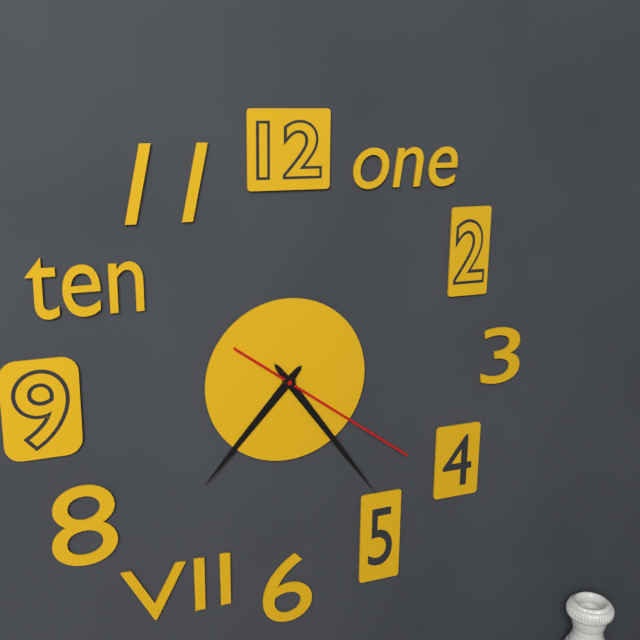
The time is 7h24m21s
